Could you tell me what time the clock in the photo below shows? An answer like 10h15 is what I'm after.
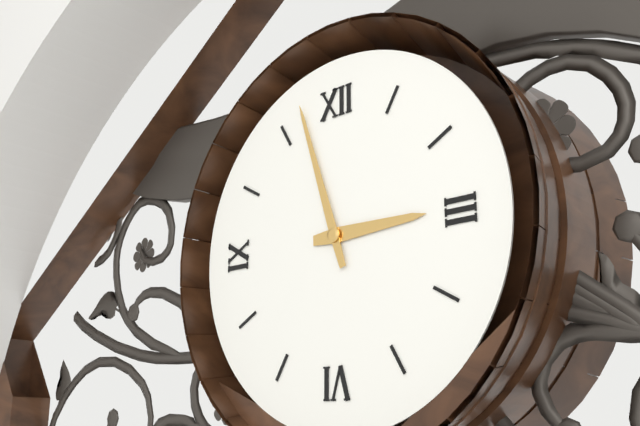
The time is 2h57
